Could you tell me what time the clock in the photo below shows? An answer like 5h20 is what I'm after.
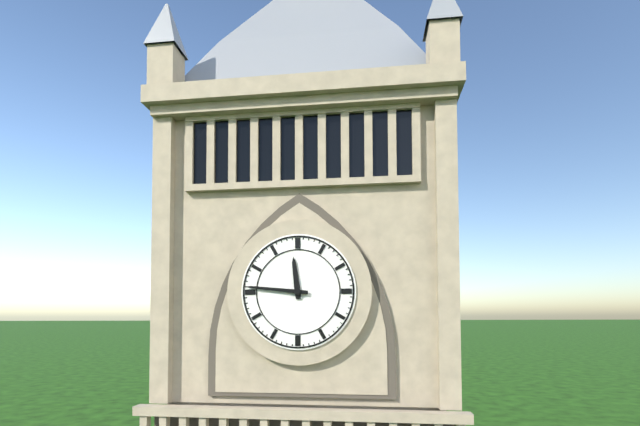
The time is 11h46
